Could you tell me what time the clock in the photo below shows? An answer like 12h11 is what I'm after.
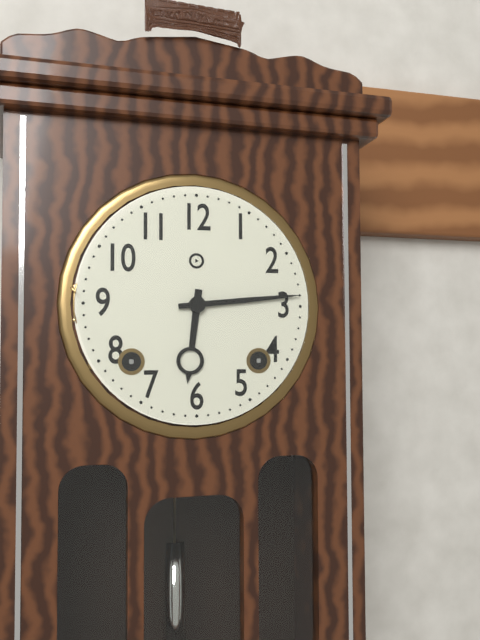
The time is 6h14
